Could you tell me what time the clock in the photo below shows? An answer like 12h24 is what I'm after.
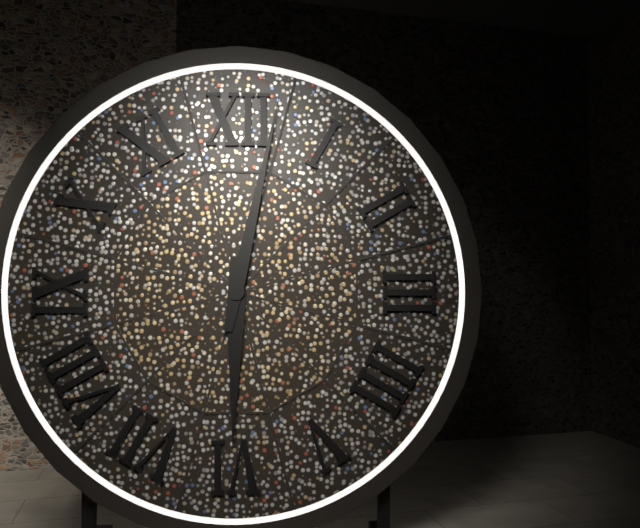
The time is 6h02
